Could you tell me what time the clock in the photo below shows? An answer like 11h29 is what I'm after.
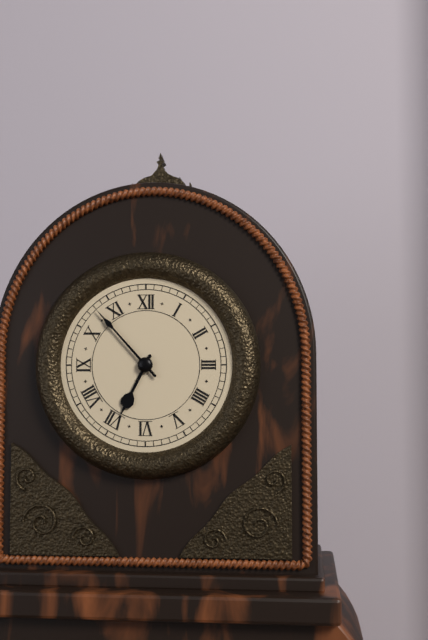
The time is 6h53
